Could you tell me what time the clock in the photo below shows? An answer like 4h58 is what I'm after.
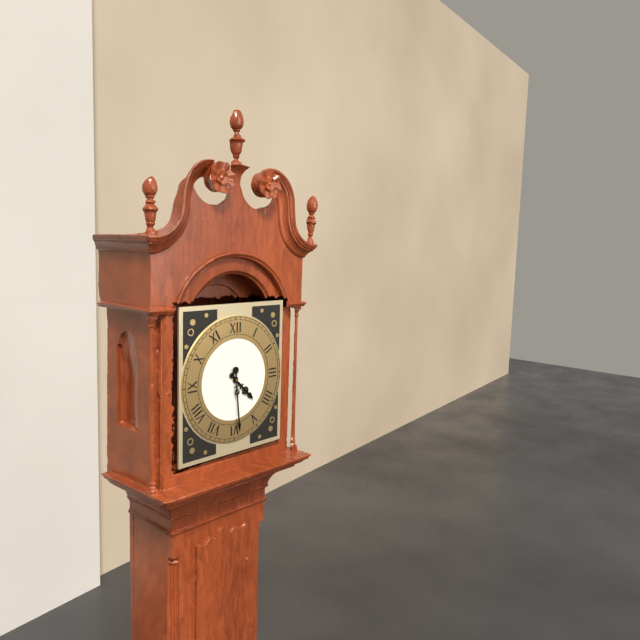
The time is 4h29
